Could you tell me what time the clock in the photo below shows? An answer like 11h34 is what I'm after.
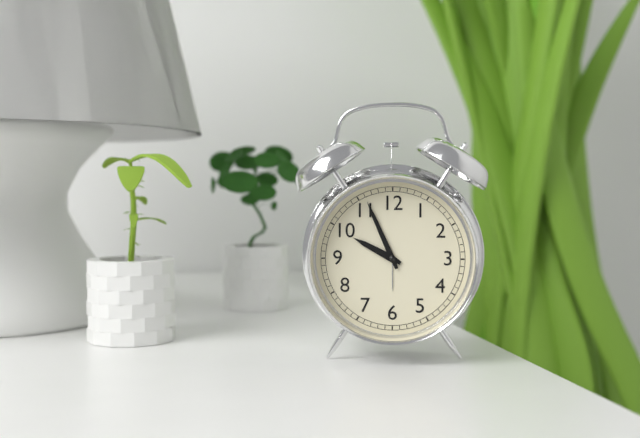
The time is 9h56
